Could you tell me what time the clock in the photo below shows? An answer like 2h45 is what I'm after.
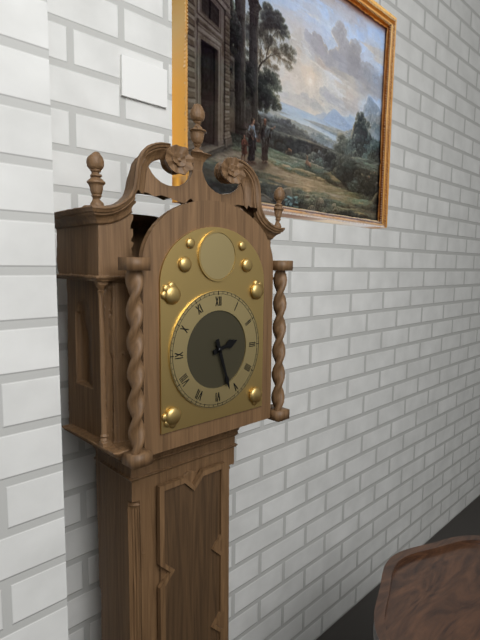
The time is 2h27
